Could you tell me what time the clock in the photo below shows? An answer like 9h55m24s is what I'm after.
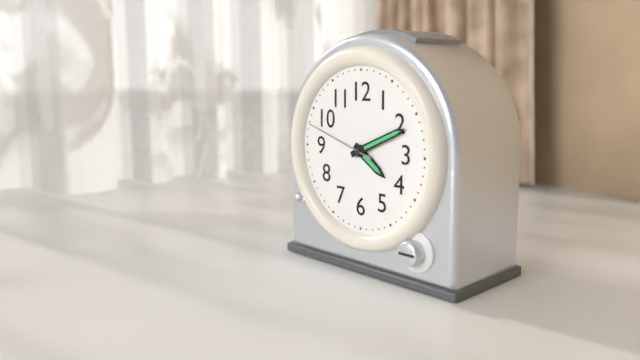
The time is 4h11m48s
